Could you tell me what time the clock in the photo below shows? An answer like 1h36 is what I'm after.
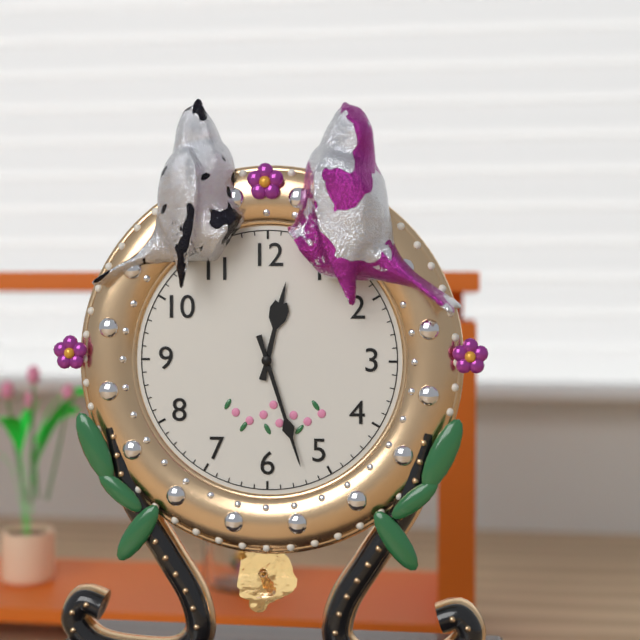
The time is 12h27
